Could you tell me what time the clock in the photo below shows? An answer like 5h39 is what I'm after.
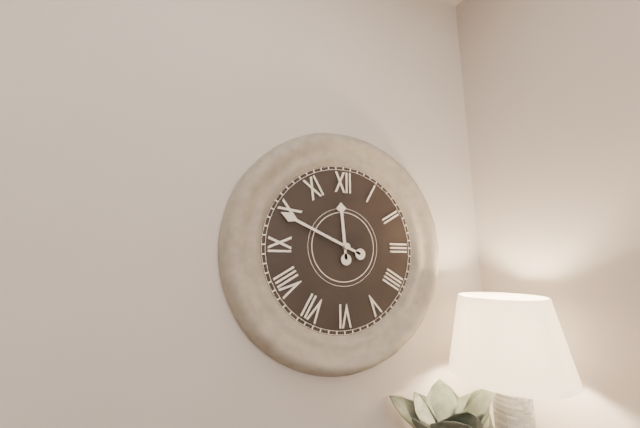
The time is 11h49
